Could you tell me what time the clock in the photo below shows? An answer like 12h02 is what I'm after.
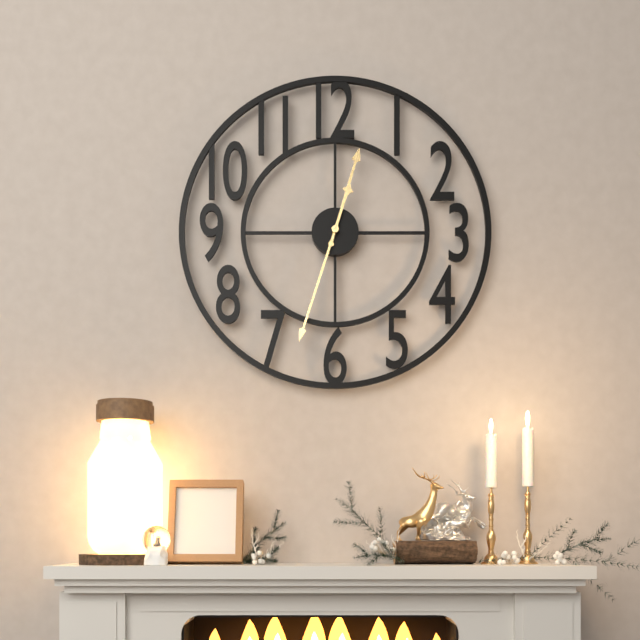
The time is 12h33
